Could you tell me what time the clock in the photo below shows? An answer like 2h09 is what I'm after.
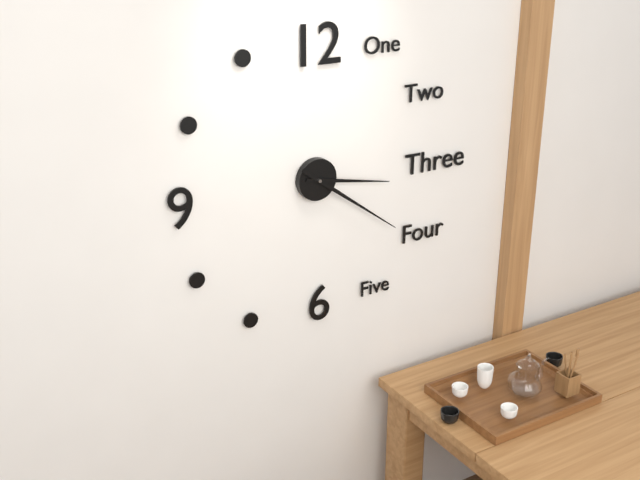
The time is 3h21
